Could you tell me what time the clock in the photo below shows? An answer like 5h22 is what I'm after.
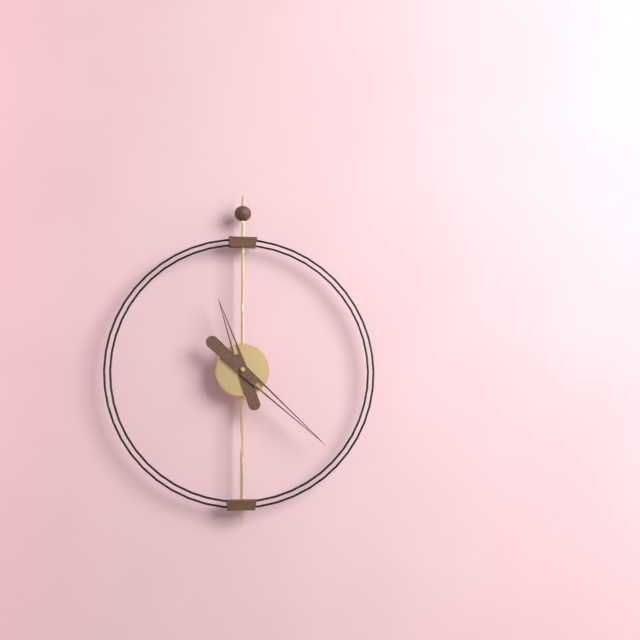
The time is 11h22
